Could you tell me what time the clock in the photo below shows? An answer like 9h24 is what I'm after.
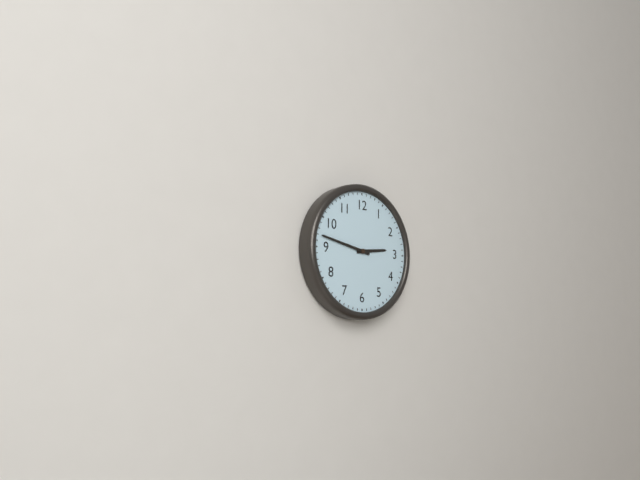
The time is 2h47
